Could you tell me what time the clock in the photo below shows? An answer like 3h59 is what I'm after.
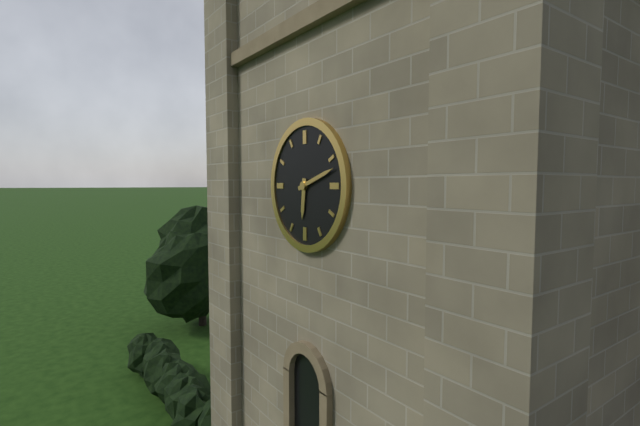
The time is 6h12
